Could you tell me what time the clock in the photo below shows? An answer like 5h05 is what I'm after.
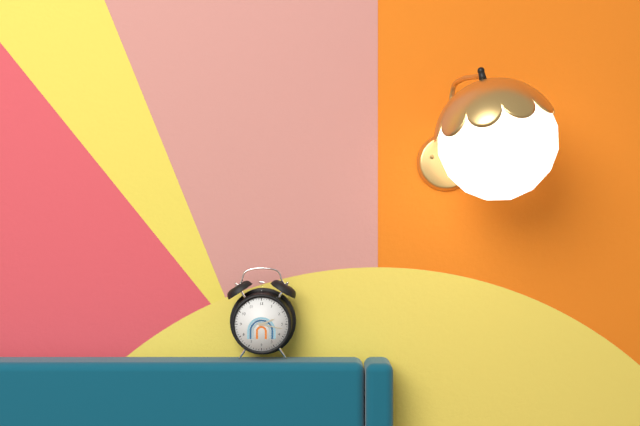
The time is 2h17
